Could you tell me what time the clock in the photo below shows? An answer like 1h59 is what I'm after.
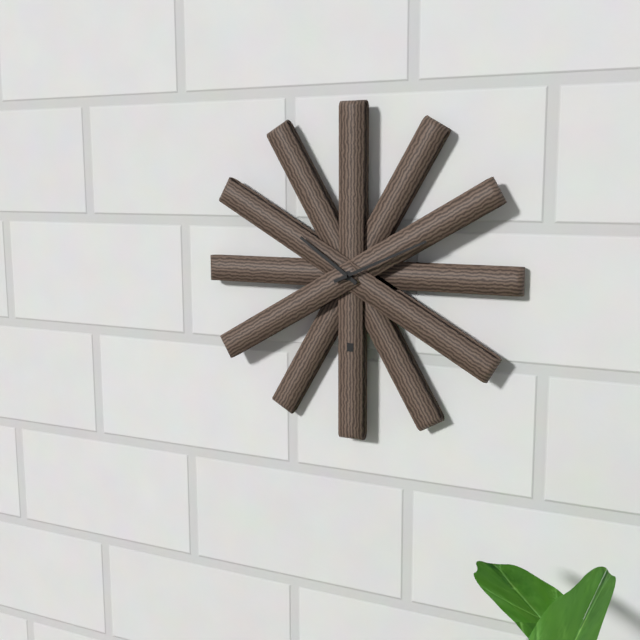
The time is 10h11
